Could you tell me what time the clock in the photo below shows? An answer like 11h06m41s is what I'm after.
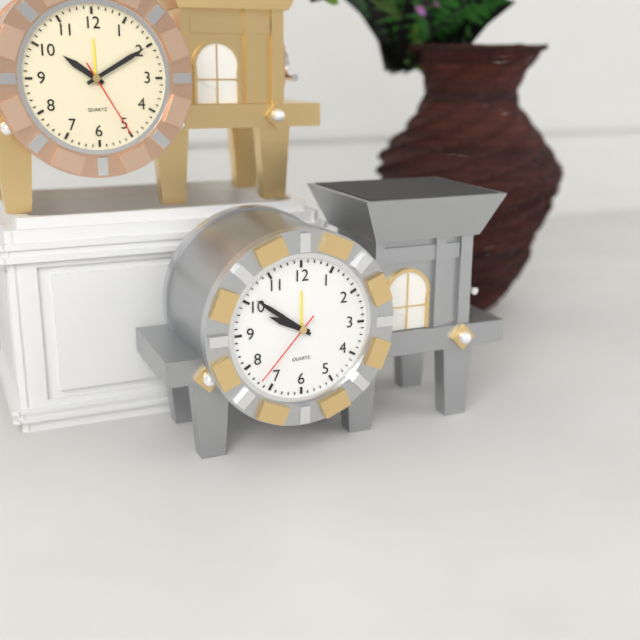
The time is 9h51m37s
